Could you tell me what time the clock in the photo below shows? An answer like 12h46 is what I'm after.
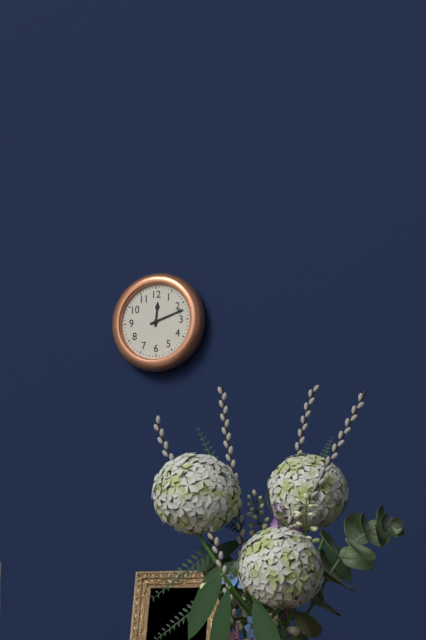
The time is 12h12
